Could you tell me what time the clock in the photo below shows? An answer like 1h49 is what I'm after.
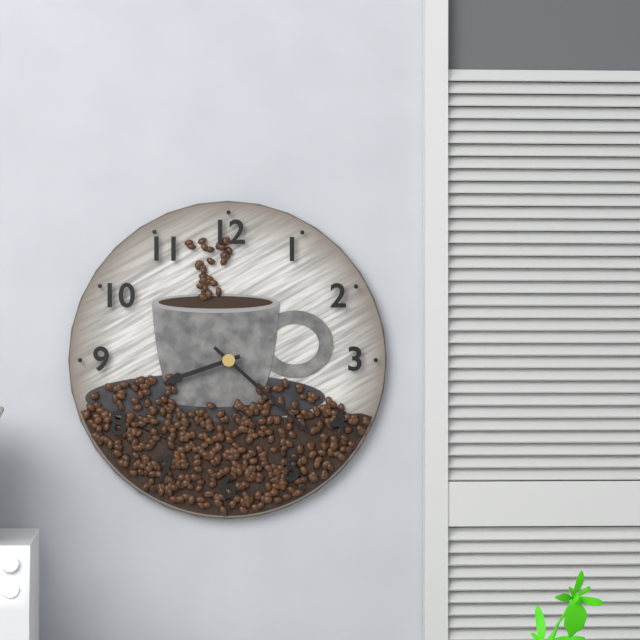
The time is 8h22
